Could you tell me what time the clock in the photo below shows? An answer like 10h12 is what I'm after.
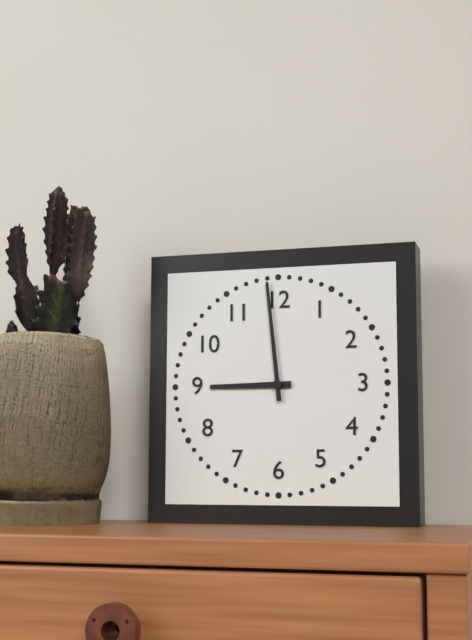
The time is 8h59
